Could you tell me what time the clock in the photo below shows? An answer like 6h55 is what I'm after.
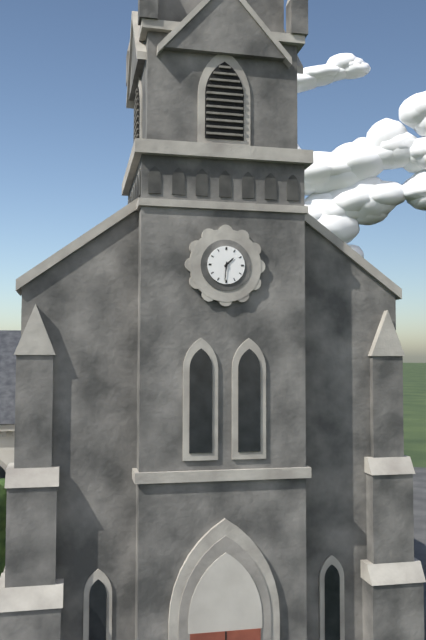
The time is 1h31
